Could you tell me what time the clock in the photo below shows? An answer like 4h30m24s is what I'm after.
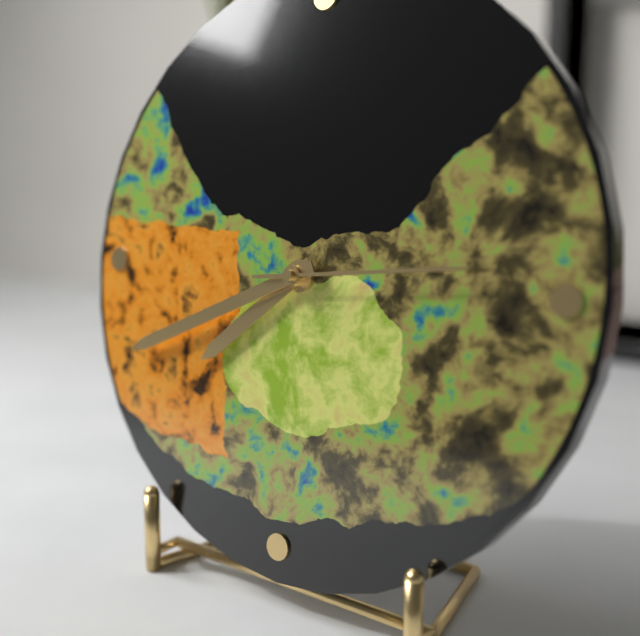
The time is 7h41m14s
